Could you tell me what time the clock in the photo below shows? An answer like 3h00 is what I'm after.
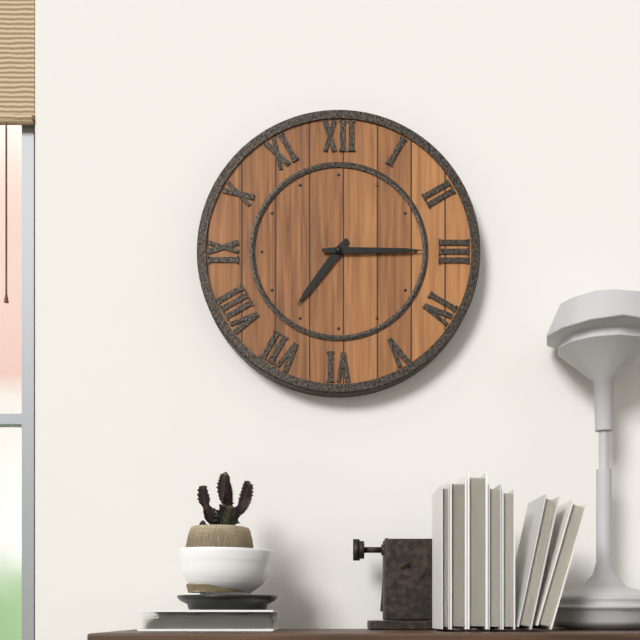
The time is 7h15
